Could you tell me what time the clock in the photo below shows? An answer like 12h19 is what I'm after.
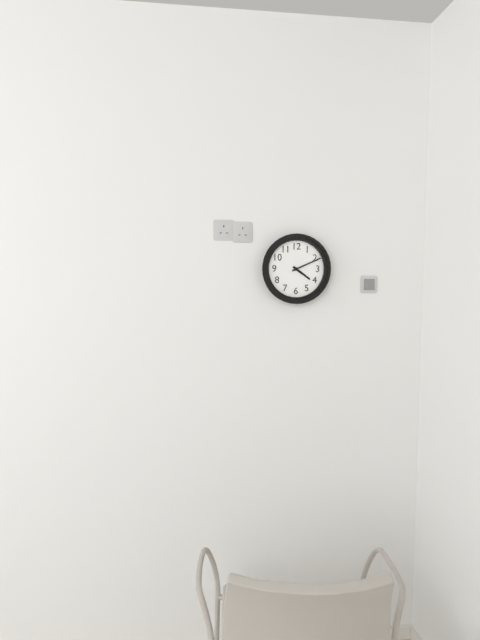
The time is 4h11
